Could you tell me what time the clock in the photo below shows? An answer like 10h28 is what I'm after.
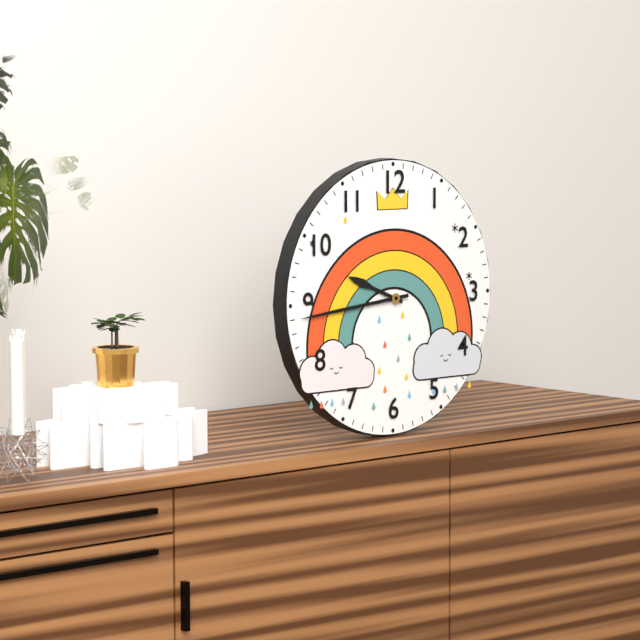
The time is 9h44
